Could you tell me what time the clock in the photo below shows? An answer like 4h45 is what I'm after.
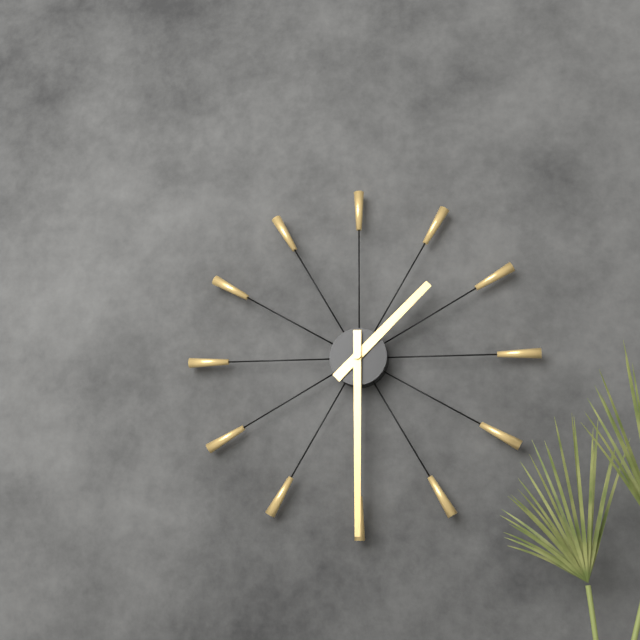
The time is 1h30
